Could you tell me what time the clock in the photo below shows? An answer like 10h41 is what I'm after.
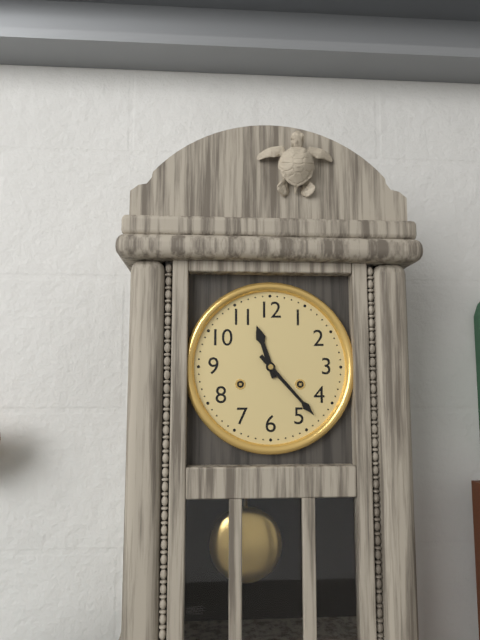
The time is 11h23
